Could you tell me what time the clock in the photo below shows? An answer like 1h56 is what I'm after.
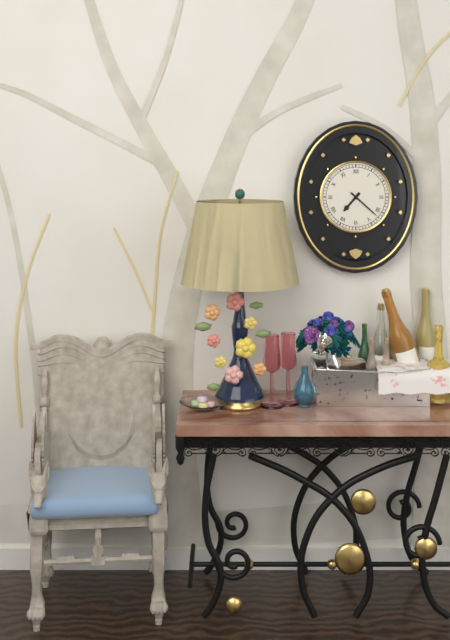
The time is 7h22
